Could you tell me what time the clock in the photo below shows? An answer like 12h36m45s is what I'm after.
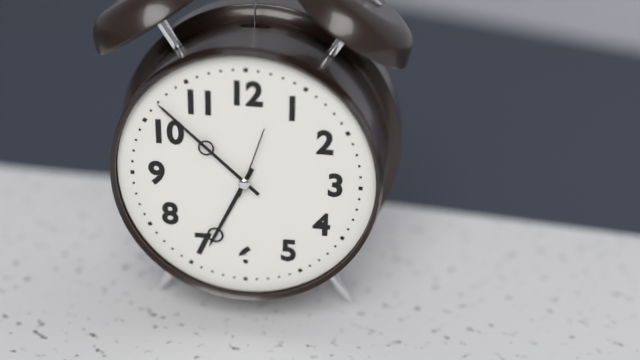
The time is 6h52m03s
